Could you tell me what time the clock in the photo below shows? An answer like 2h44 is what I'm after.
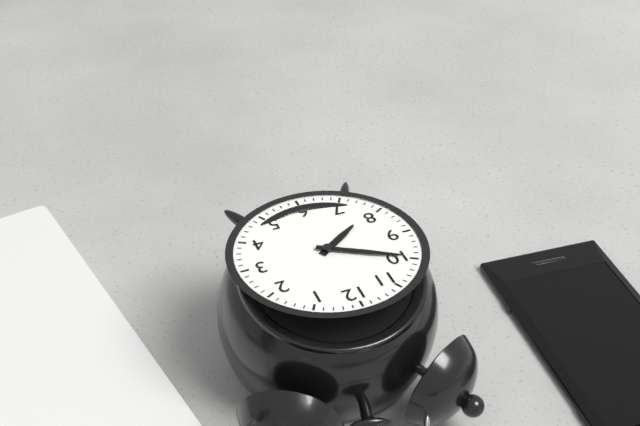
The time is 7h50
